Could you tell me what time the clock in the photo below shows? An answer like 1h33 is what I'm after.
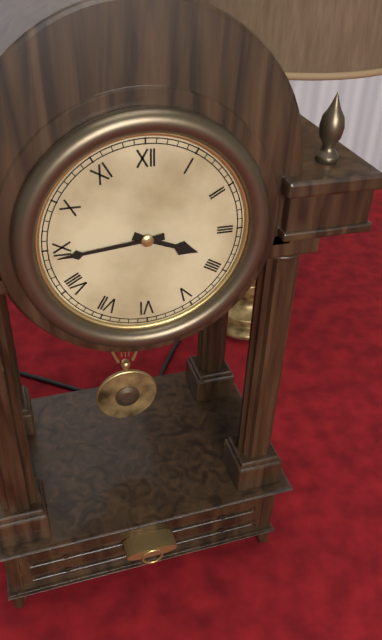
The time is 3h44
